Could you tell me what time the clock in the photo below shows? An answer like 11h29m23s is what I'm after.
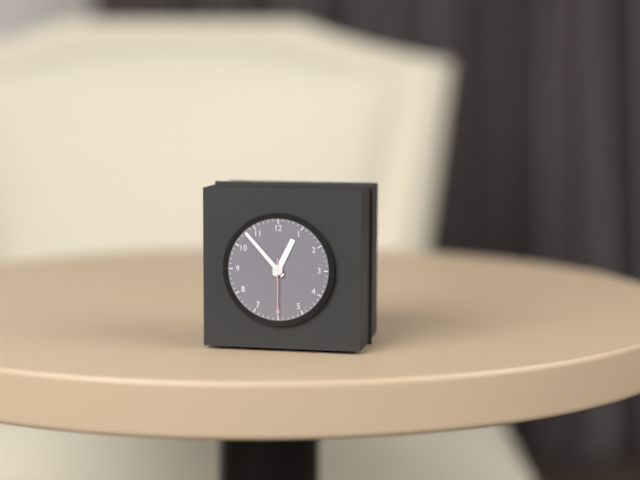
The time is 12h53m30s
